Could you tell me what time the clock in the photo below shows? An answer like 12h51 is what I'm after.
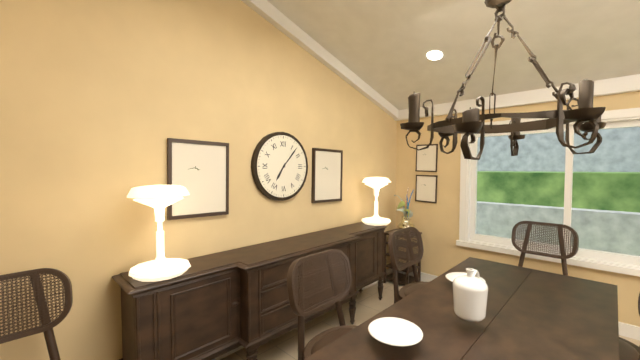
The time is 7h07
